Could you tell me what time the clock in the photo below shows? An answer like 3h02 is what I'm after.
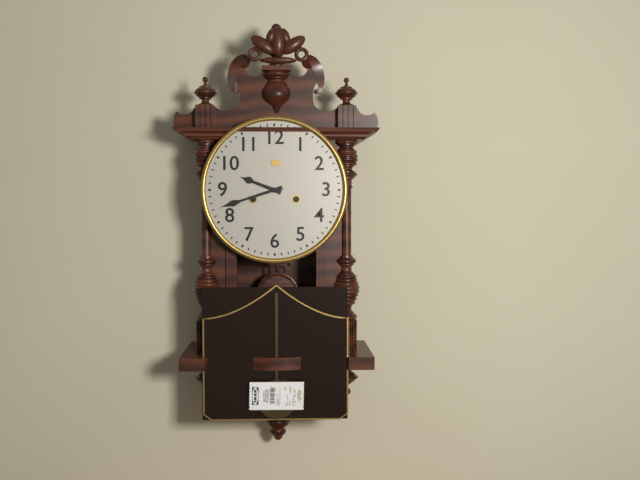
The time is 9h42
